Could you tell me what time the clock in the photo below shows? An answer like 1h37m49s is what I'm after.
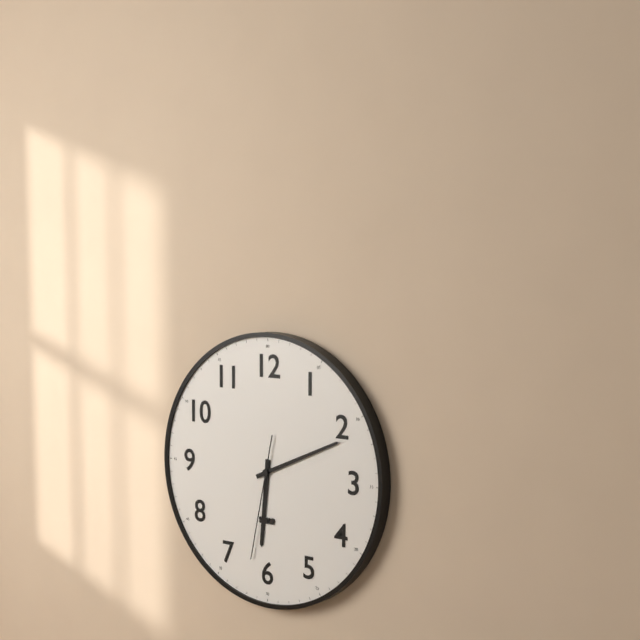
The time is 6h11m32s
